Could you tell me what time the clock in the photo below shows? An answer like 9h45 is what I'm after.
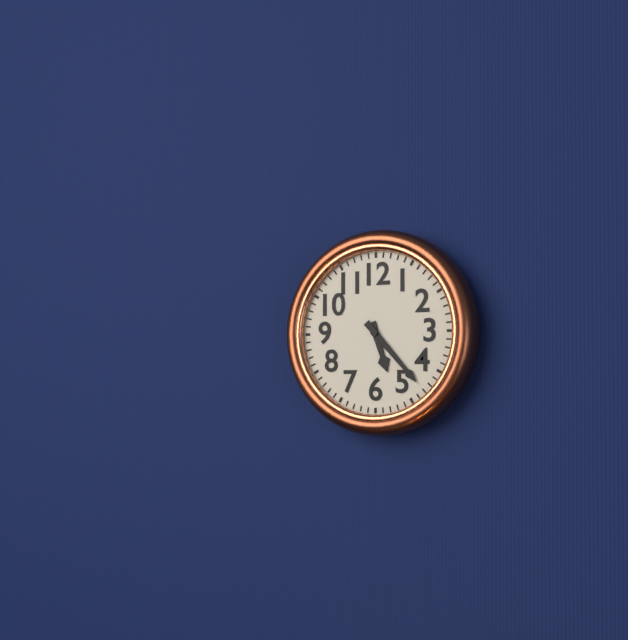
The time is 5h23
